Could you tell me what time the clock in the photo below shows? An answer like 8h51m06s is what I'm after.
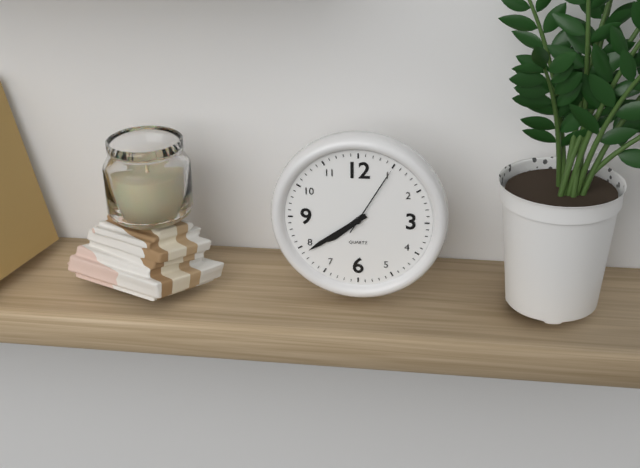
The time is 7h39m05s
